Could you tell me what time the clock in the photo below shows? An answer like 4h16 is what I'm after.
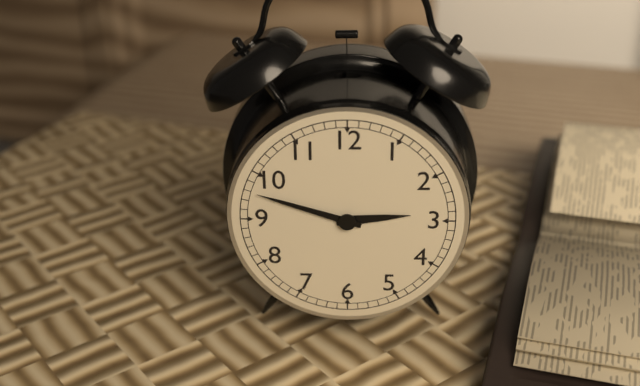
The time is 2h48
